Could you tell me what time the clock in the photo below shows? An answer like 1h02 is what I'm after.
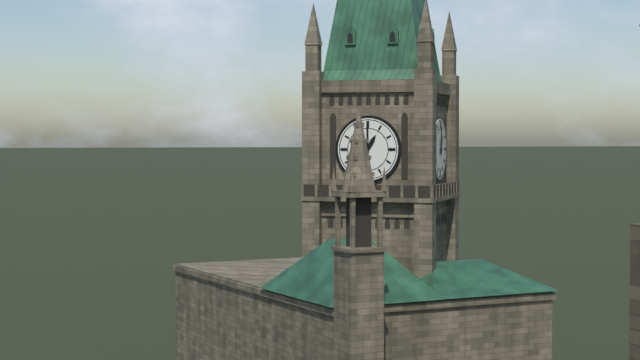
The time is 1h00
